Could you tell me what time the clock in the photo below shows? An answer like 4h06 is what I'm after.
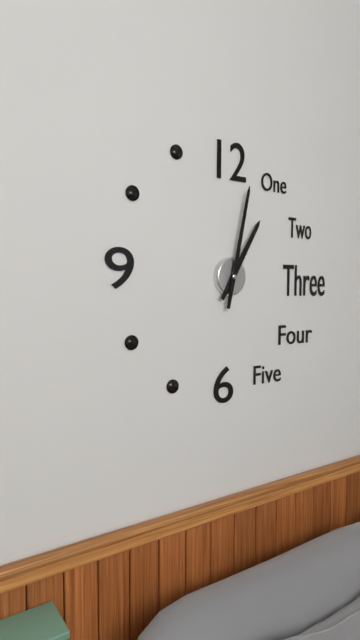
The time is 1h02
